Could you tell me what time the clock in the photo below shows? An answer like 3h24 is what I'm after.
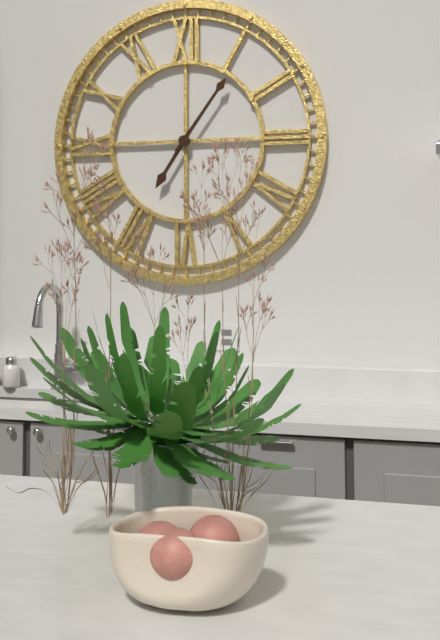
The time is 7h06
